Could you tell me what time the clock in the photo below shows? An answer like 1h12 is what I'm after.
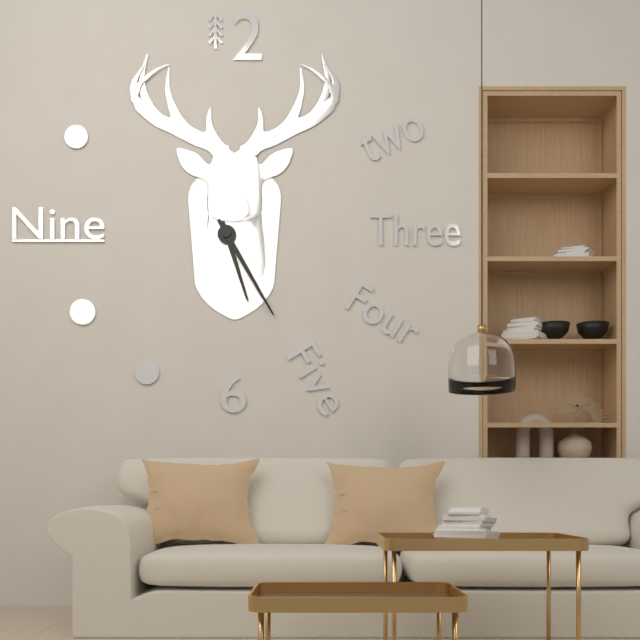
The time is 5h25
